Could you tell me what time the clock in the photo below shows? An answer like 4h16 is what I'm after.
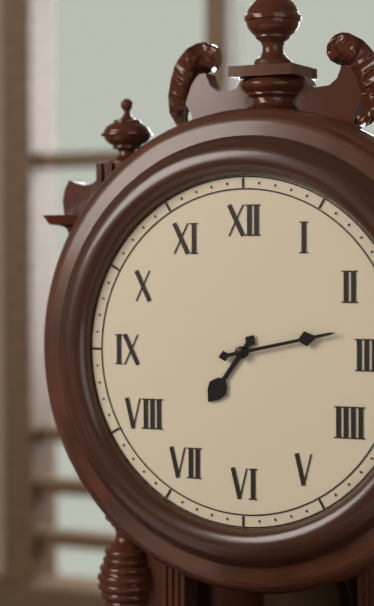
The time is 7h13
